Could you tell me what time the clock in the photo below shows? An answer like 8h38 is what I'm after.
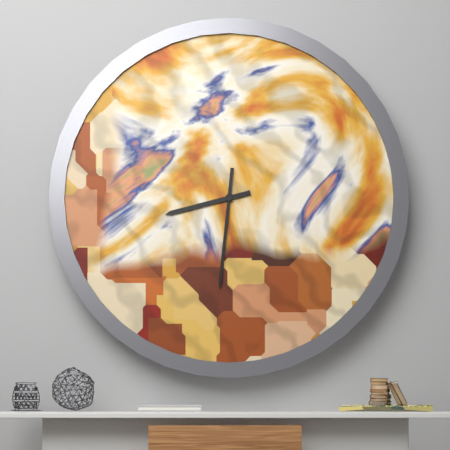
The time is 8h31
